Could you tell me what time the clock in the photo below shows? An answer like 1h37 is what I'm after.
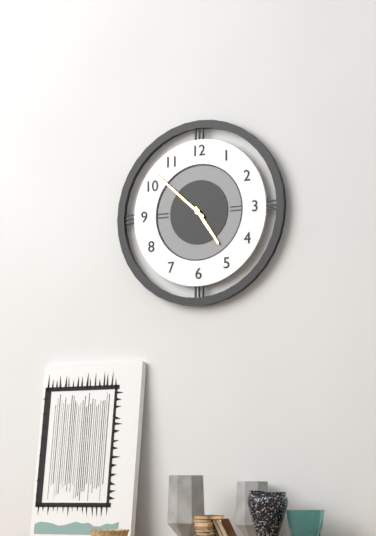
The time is 4h52
